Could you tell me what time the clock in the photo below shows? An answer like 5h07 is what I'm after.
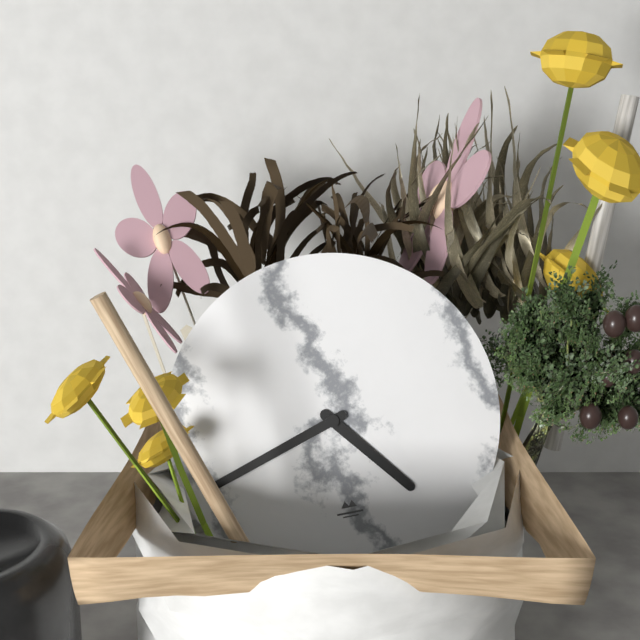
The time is 4h42
